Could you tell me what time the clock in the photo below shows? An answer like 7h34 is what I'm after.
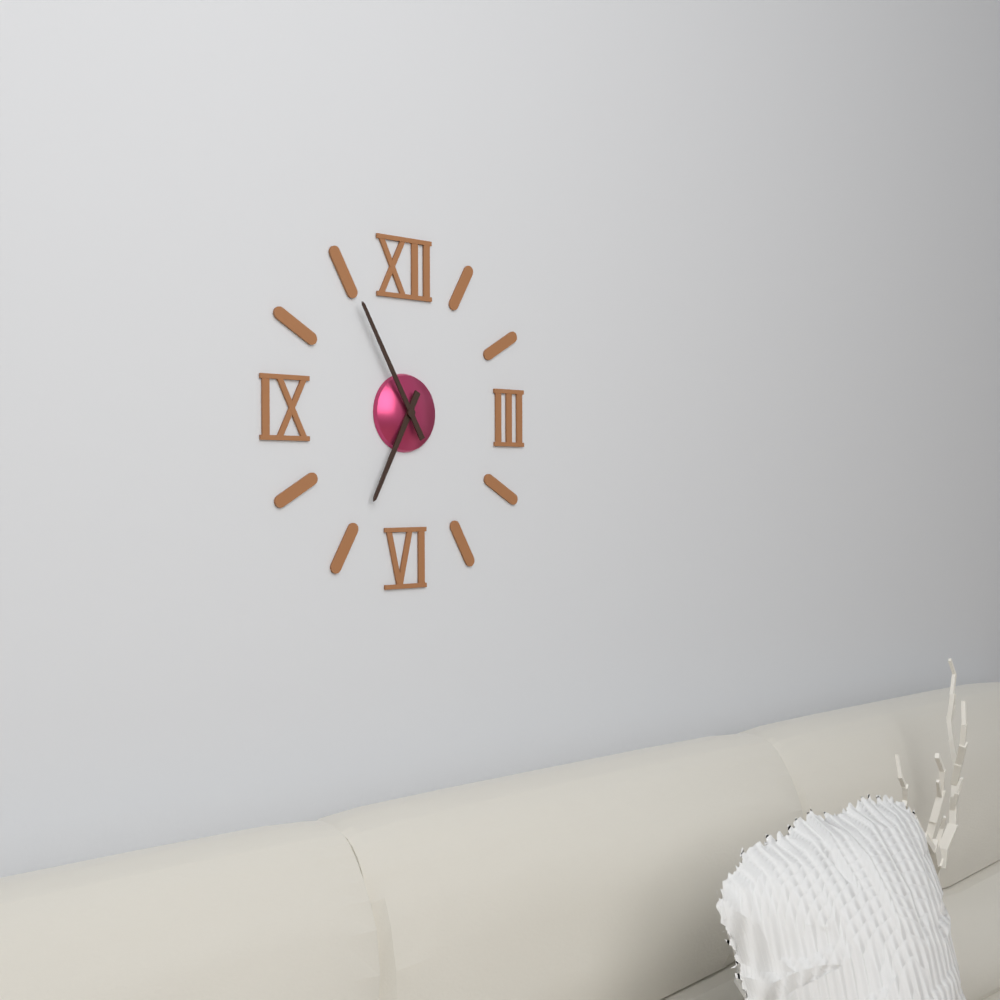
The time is 6h55
